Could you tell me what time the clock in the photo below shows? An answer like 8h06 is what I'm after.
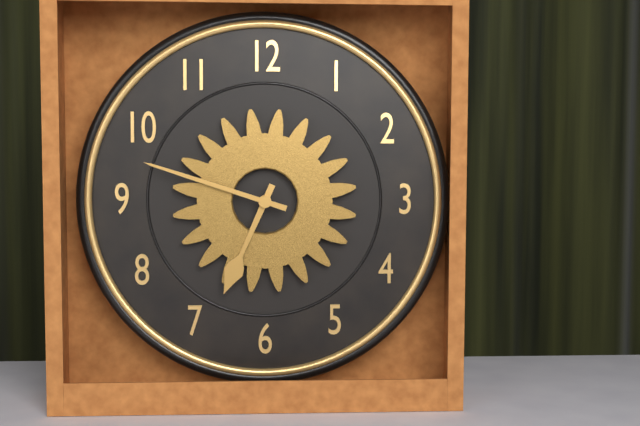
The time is 6h48
